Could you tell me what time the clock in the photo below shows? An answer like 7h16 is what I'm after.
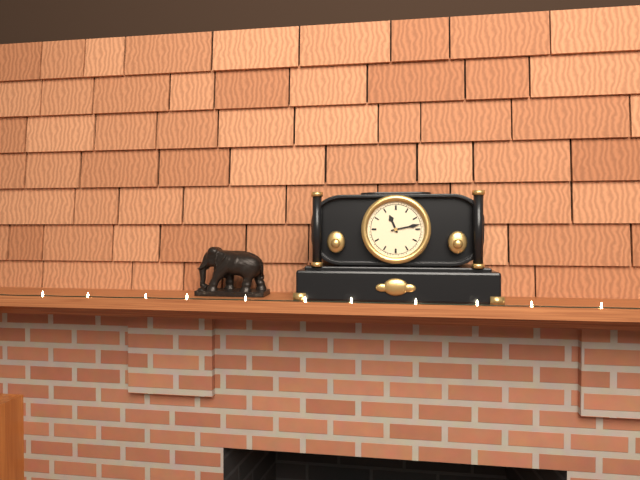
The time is 11h13
